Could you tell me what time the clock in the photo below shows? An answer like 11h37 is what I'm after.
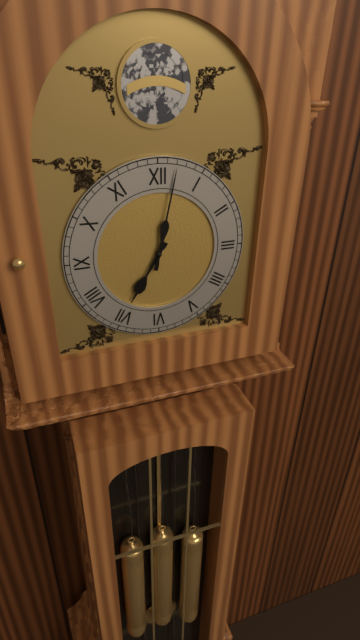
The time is 7h02
